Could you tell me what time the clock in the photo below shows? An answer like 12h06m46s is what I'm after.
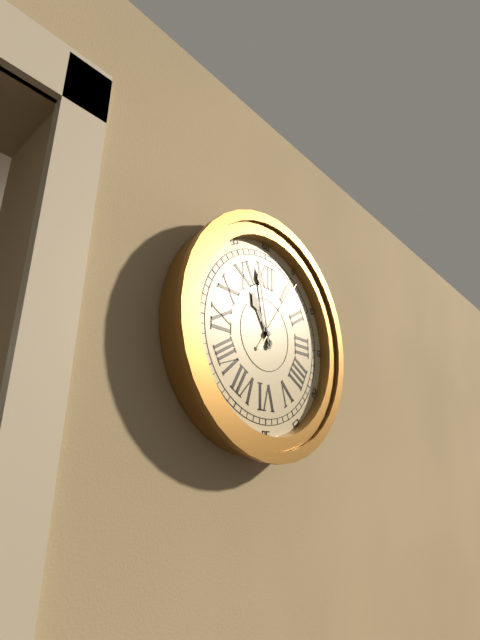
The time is 10h58m06s
